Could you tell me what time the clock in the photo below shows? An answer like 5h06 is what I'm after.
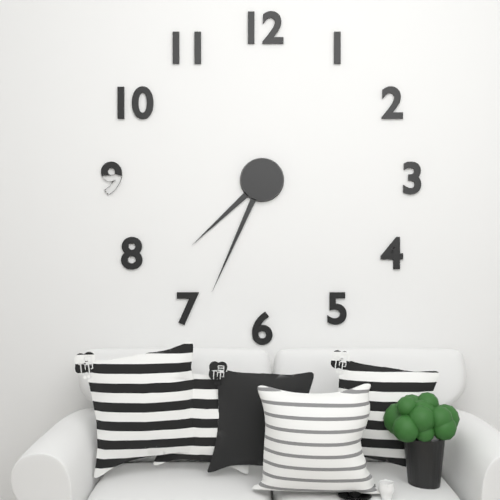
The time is 7h34
